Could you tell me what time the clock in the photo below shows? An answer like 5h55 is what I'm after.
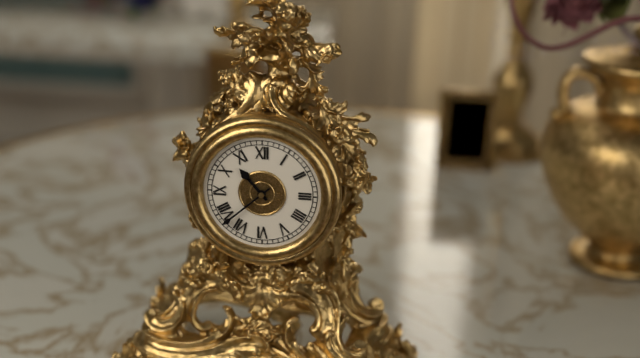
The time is 10h38
